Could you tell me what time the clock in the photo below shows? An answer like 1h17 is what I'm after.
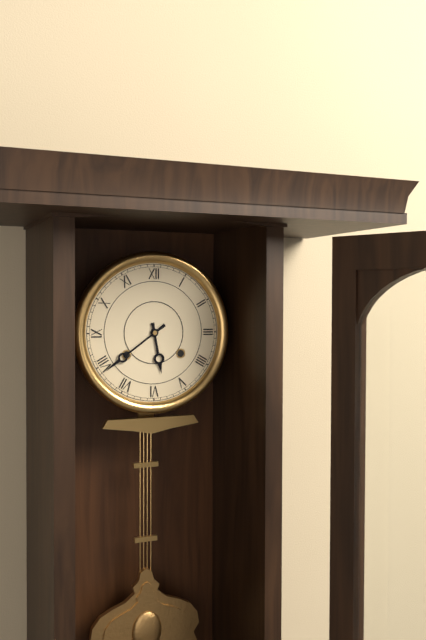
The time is 5h39
